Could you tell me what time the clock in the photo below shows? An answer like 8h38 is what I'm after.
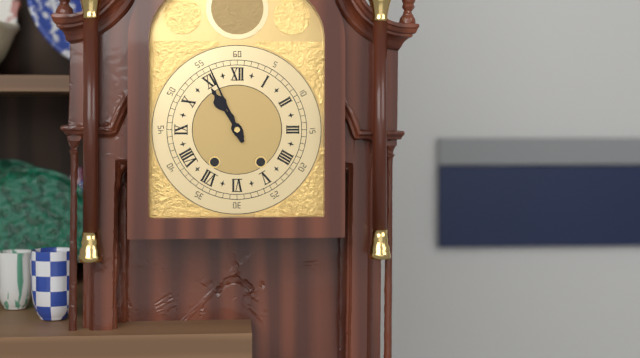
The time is 10h56
